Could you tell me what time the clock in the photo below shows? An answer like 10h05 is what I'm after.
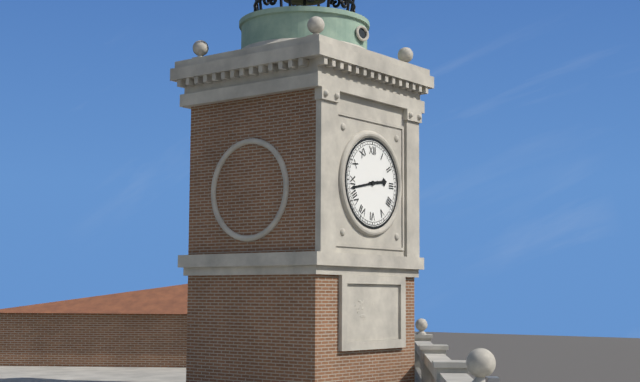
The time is 2h43
